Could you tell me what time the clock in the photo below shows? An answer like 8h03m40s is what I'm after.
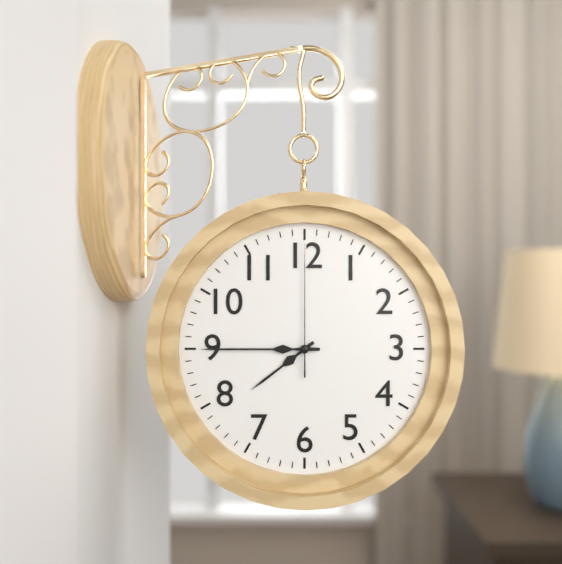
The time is 7h45m00s
